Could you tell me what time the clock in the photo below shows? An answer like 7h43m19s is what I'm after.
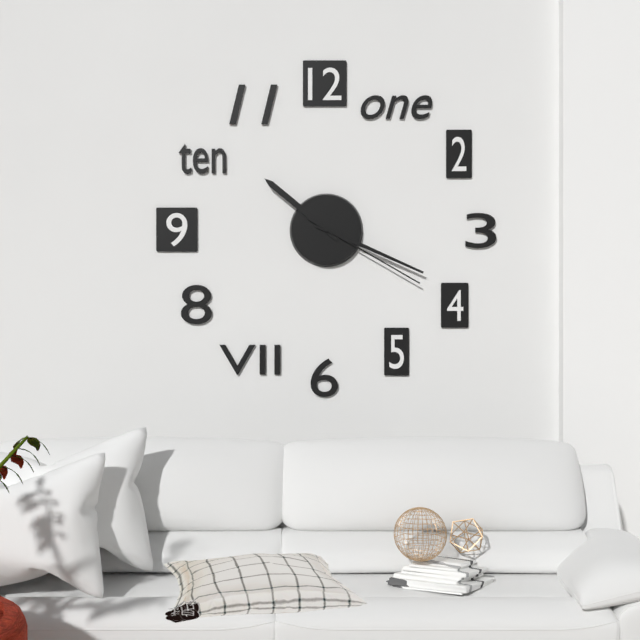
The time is 10h19m20s
